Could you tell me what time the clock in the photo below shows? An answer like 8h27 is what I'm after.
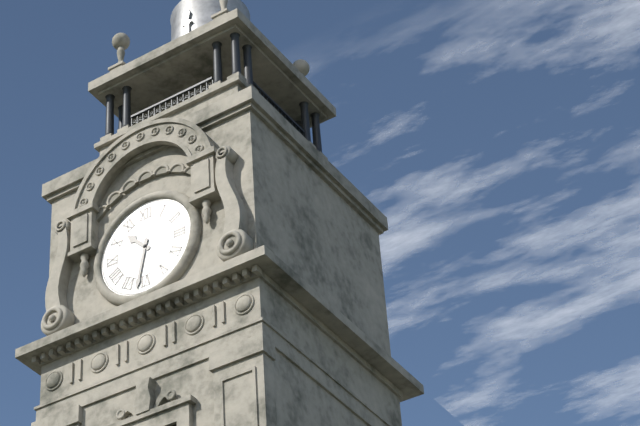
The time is 10h32
